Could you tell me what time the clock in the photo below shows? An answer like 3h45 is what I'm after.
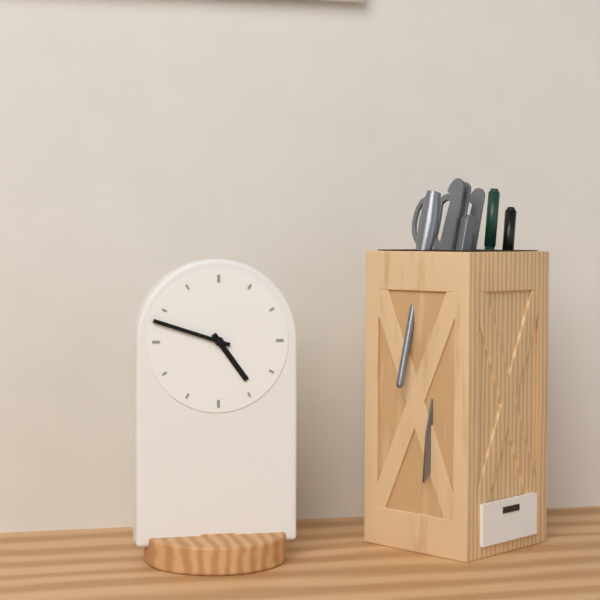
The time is 4h48
